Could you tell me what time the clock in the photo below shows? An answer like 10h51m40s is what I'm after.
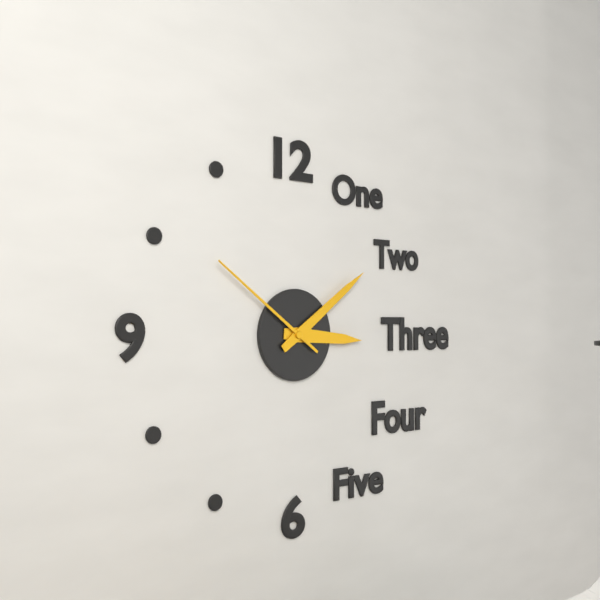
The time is 3h09m51s
